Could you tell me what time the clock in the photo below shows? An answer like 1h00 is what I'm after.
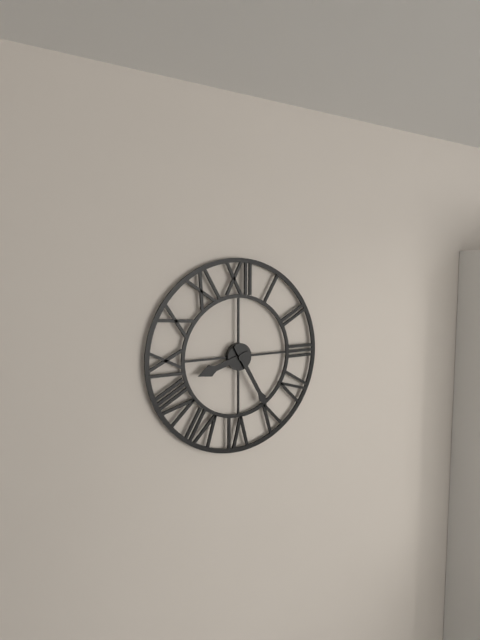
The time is 8h25
